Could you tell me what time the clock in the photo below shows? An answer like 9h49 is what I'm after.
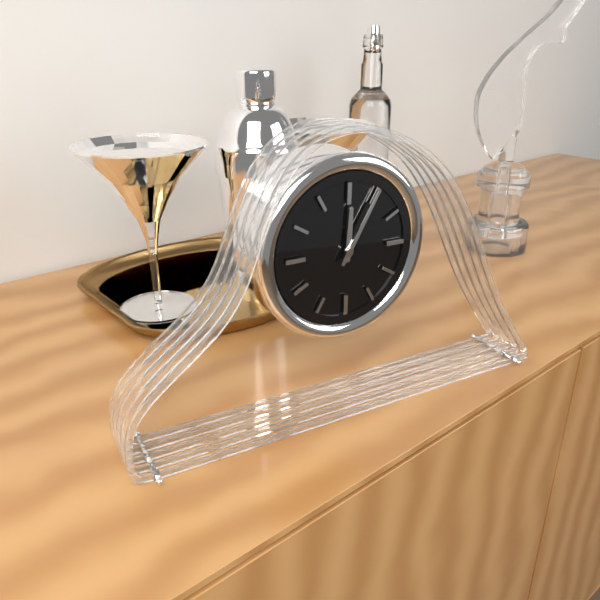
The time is 12h05
